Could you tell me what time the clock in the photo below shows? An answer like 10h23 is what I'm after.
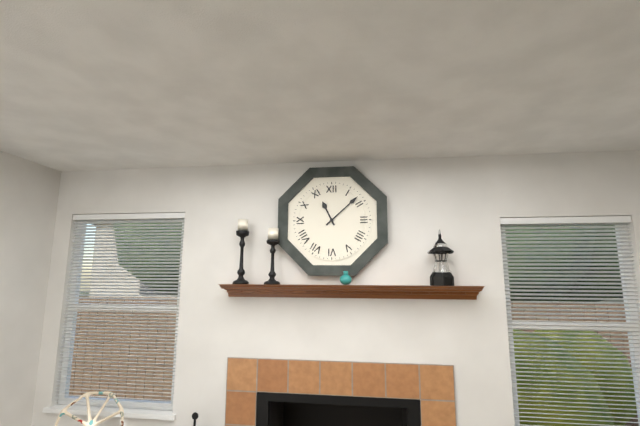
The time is 11h08
